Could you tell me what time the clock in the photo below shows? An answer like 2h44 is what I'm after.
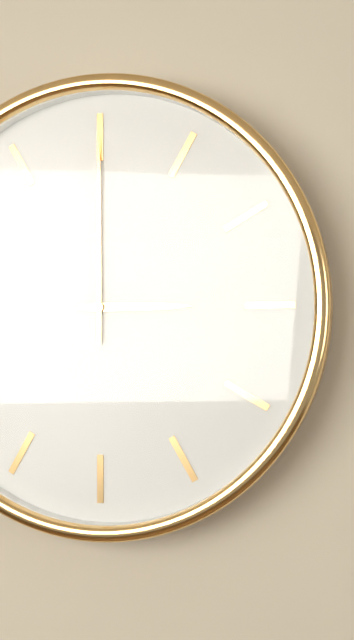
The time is 3h00
